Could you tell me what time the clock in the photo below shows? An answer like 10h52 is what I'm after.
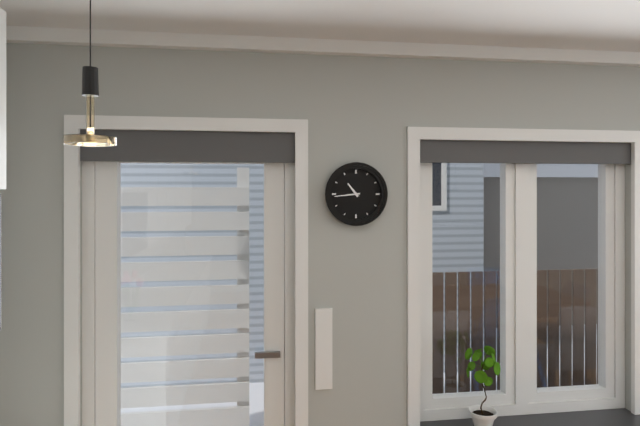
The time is 10h44
